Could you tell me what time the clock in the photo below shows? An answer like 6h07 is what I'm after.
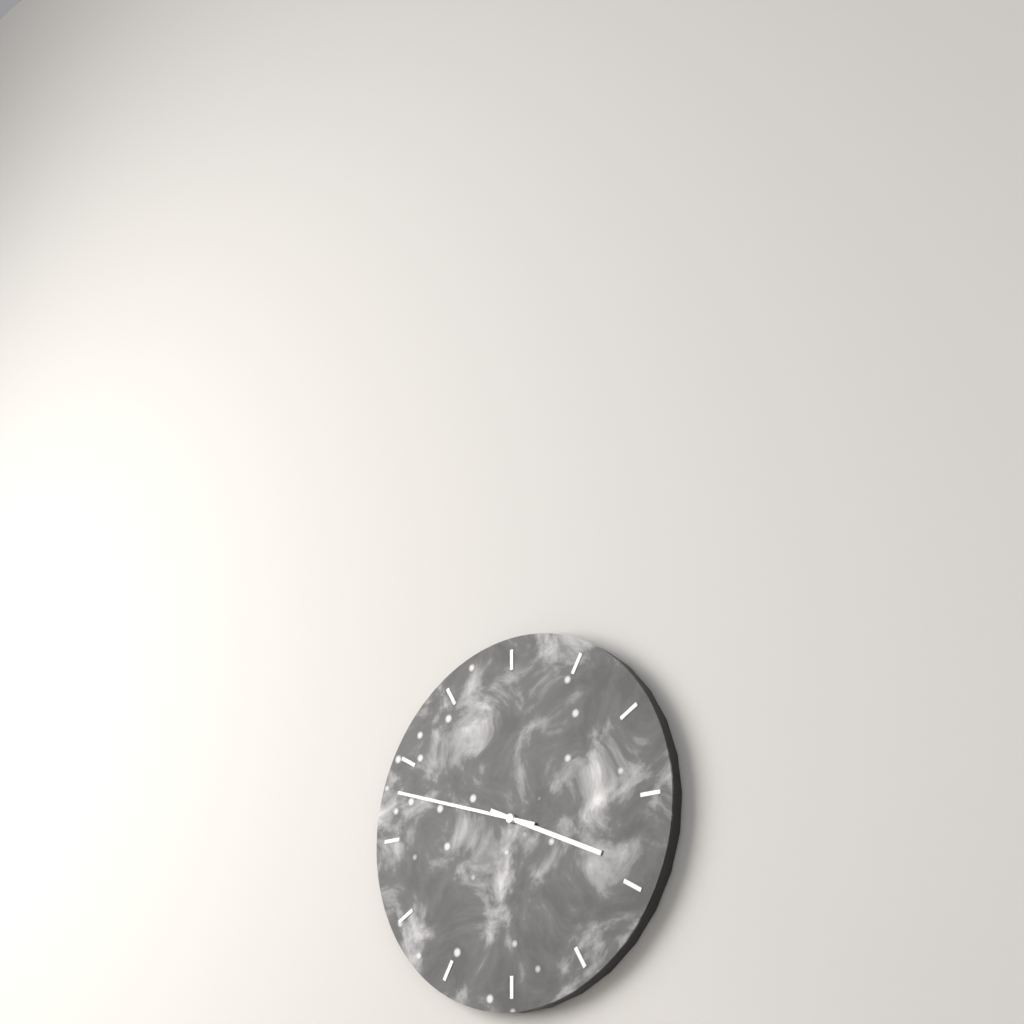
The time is 3h48
